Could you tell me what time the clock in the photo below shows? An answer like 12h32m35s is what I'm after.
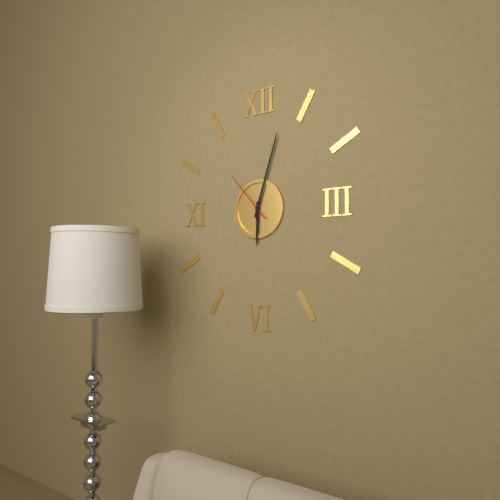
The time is 6h03m53s
